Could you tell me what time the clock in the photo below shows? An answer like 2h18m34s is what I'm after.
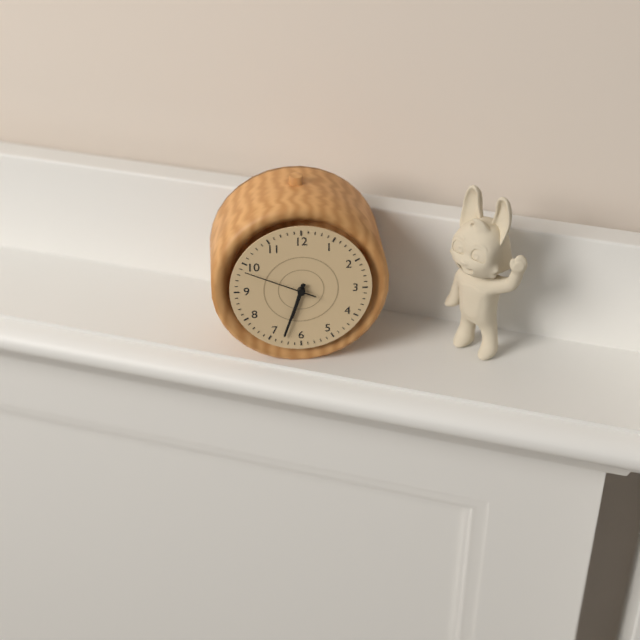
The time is 6h33m49s
